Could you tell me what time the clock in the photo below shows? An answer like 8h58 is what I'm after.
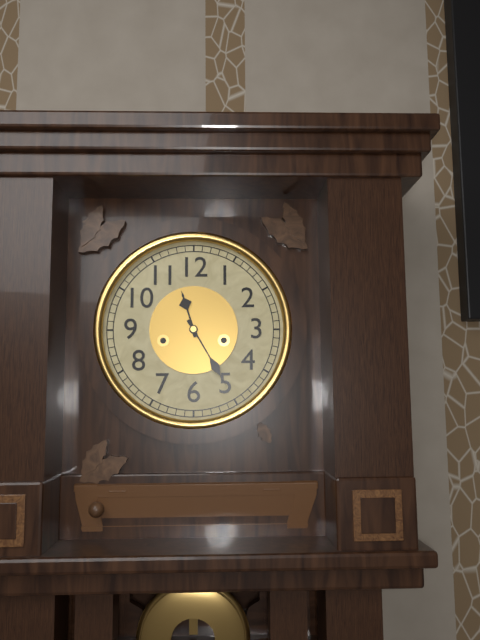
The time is 11h25
